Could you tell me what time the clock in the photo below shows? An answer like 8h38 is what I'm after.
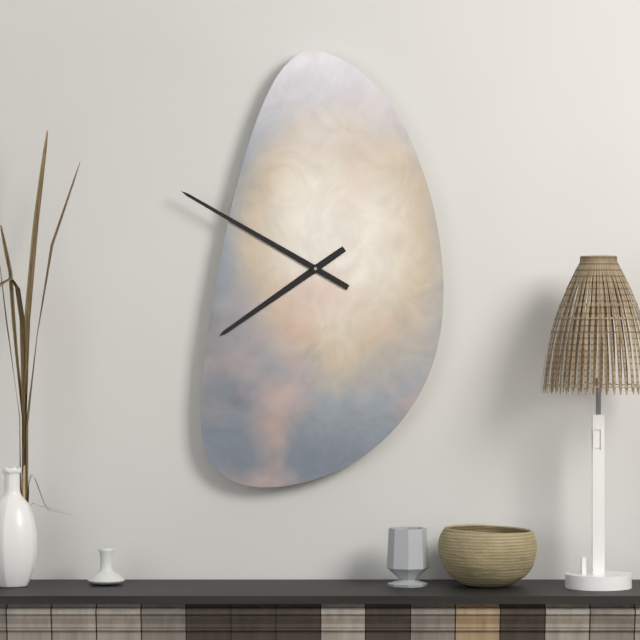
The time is 7h50
